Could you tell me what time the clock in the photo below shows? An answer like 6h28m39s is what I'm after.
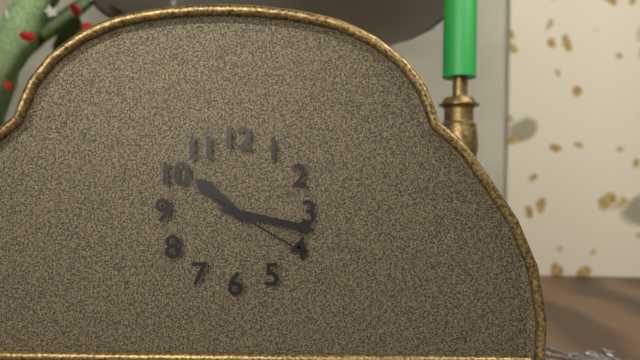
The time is 10h17m20s
